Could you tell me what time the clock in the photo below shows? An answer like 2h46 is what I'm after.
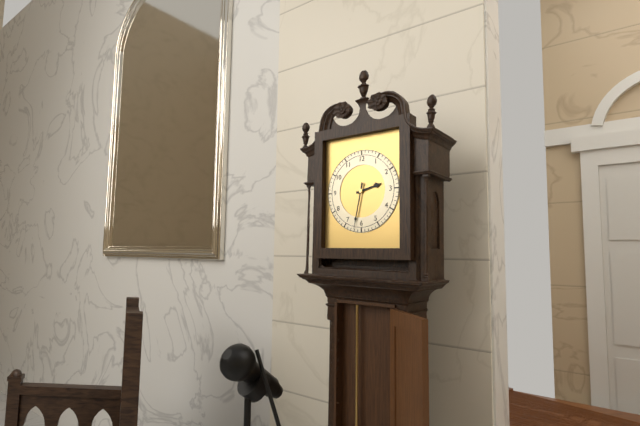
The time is 2h32
